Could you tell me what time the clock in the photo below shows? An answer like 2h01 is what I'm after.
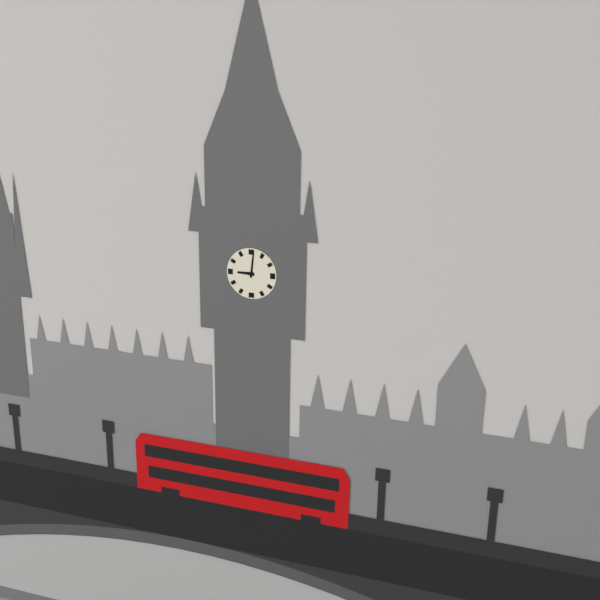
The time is 9h01
